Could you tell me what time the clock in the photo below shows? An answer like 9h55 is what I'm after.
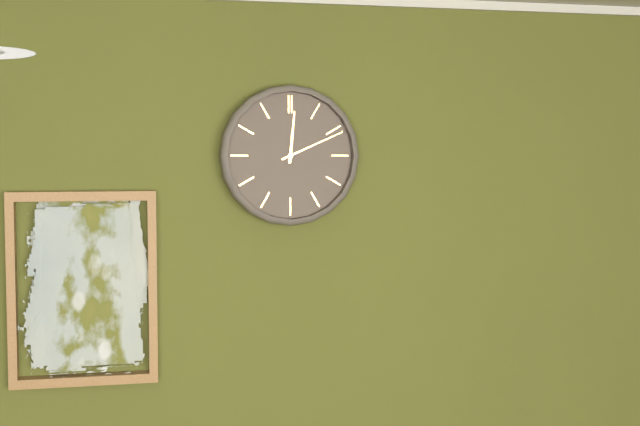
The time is 12h11
